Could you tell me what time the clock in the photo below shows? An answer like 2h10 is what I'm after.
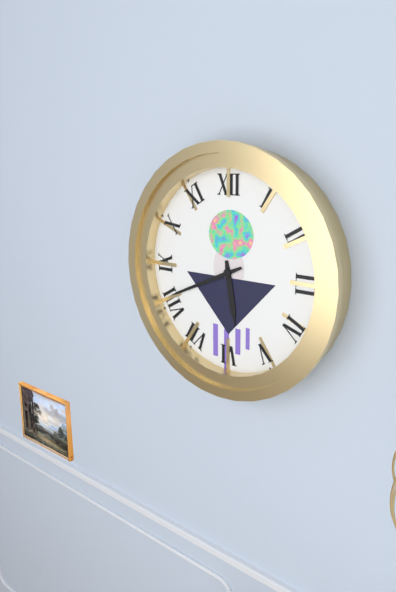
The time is 5h41
